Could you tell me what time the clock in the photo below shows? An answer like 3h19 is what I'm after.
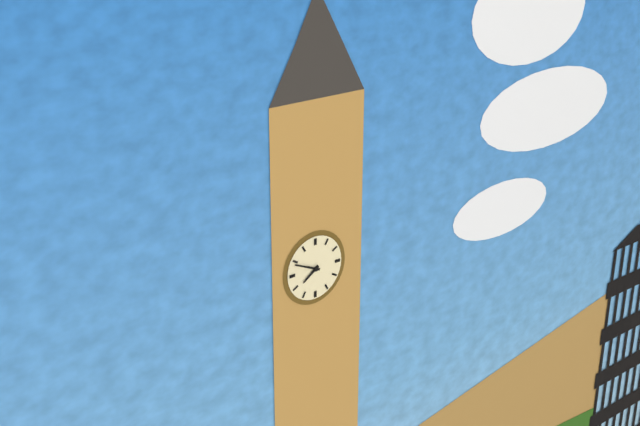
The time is 7h49
